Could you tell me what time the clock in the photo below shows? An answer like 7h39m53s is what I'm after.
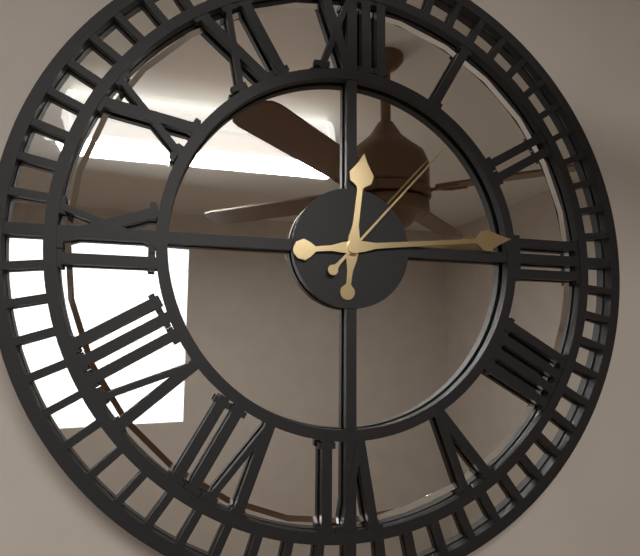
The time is 12h14m07s
